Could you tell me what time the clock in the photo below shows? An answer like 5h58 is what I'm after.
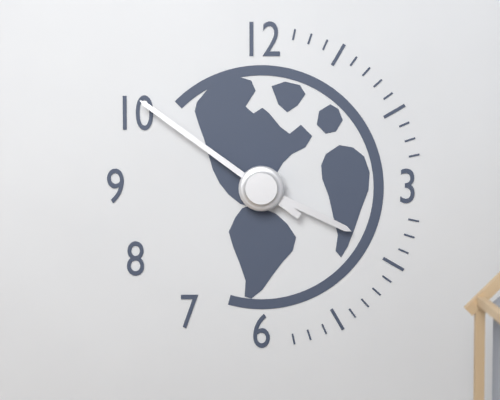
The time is 3h51
